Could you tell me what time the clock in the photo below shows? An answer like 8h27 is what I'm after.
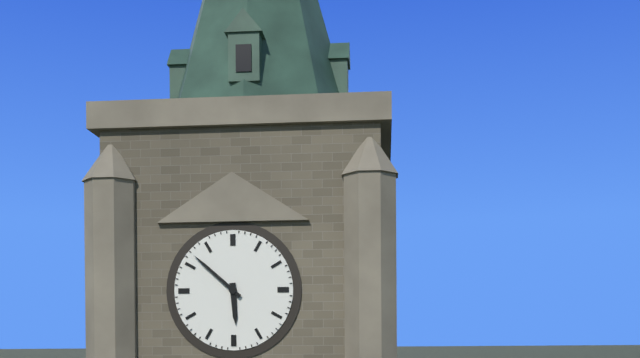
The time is 5h52
